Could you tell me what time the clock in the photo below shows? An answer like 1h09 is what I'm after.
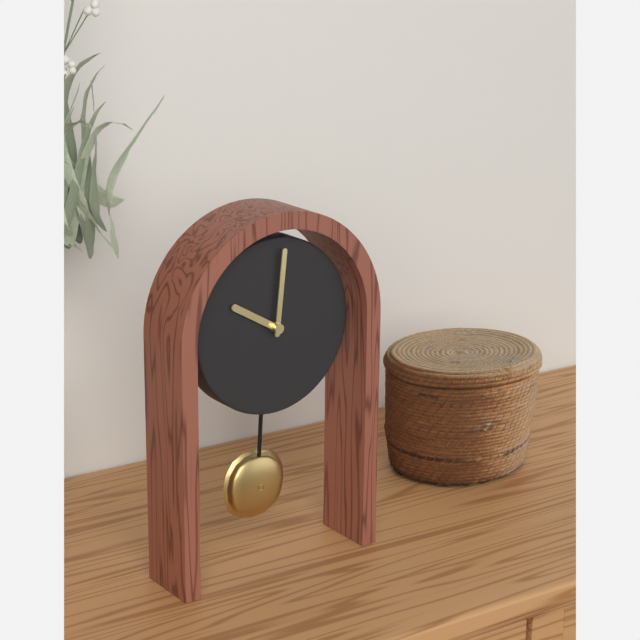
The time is 10h01
